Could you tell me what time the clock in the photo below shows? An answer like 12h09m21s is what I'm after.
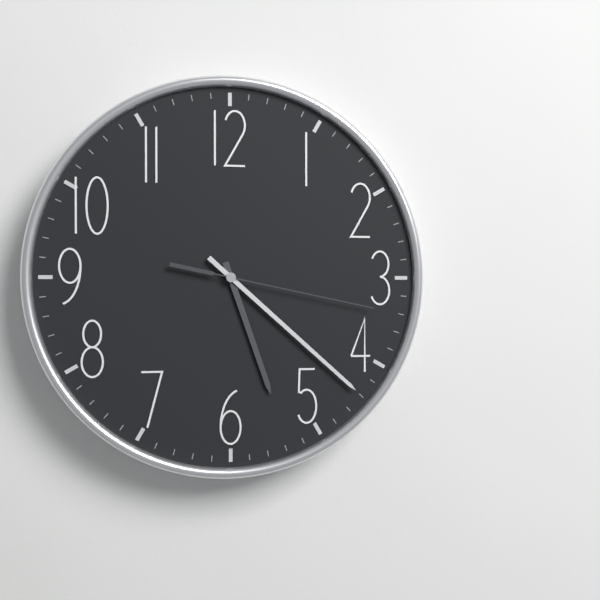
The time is 5h22m17s
